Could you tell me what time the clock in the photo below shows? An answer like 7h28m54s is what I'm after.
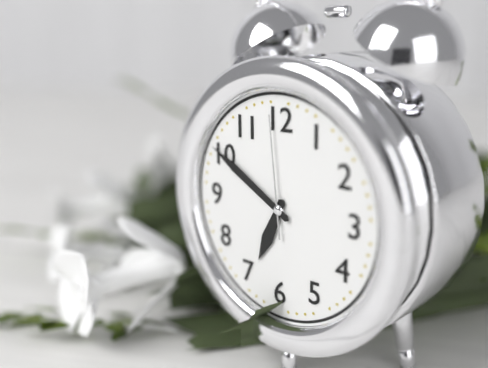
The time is 6h50m59s
